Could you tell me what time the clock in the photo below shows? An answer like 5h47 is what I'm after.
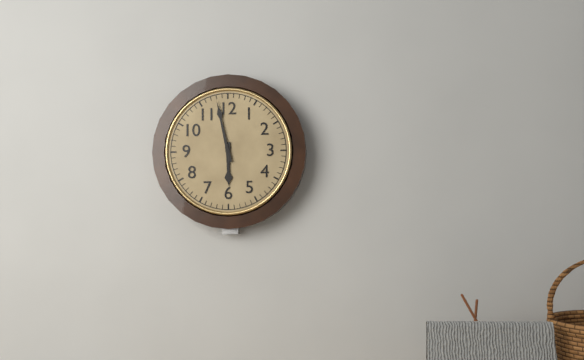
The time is 5h58
